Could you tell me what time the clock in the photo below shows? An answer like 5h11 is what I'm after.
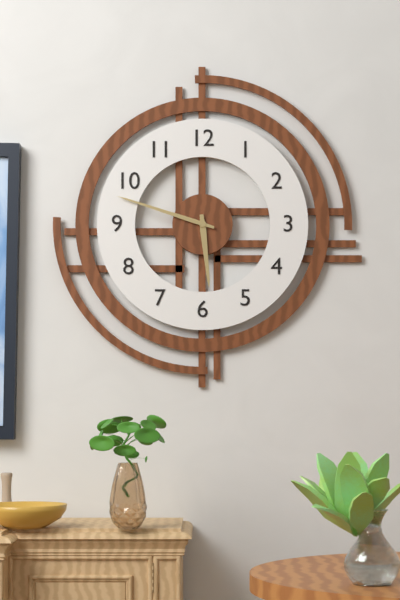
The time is 5h48
